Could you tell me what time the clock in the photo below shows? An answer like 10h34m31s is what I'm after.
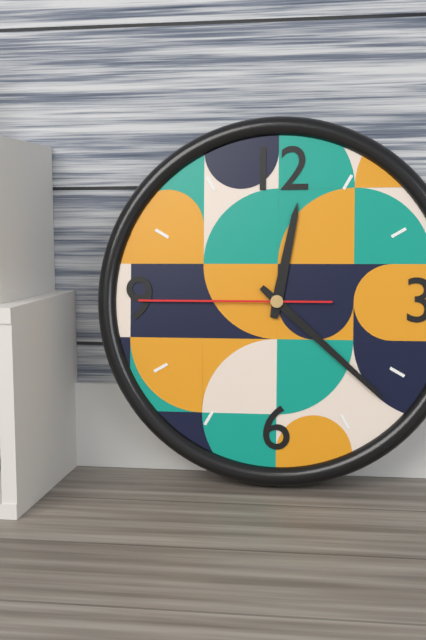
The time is 12h22m45s
